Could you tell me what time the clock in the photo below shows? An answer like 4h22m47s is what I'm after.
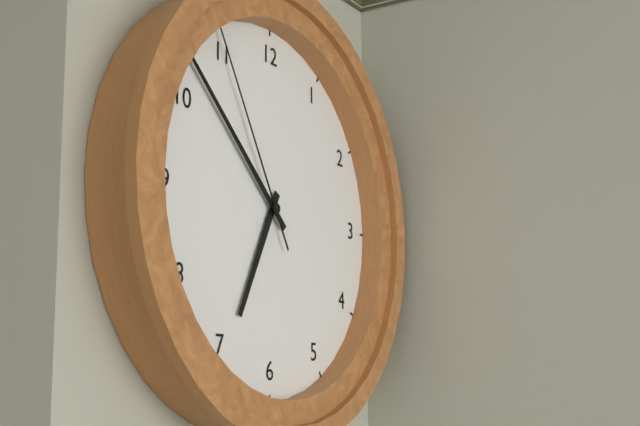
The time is 6h52m55s
